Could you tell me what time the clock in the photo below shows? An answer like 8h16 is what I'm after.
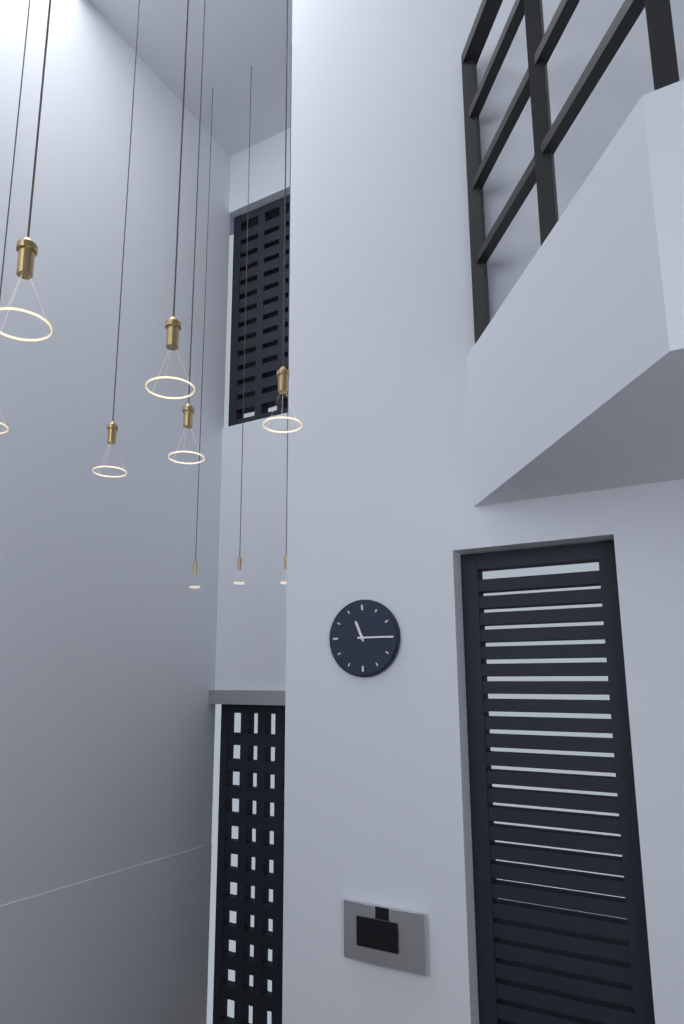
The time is 11h15
